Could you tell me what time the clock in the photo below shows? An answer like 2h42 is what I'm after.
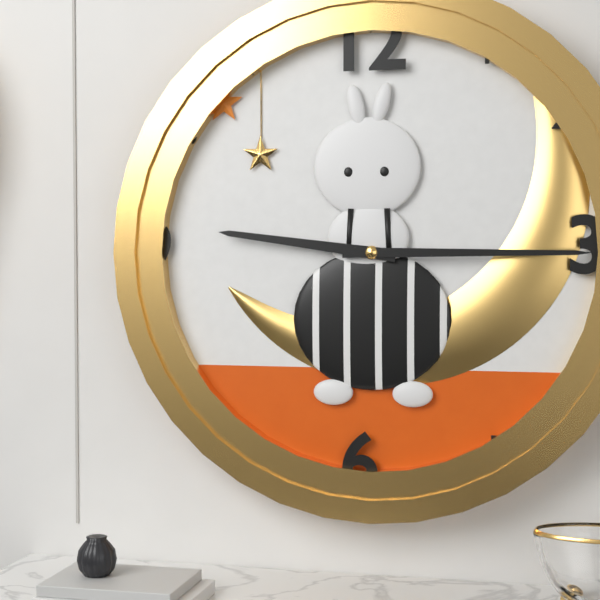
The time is 9h15
